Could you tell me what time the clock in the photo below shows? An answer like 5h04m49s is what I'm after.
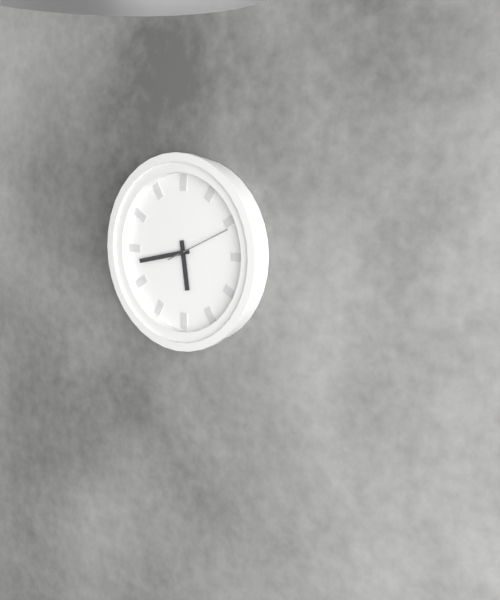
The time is 5h43m11s
